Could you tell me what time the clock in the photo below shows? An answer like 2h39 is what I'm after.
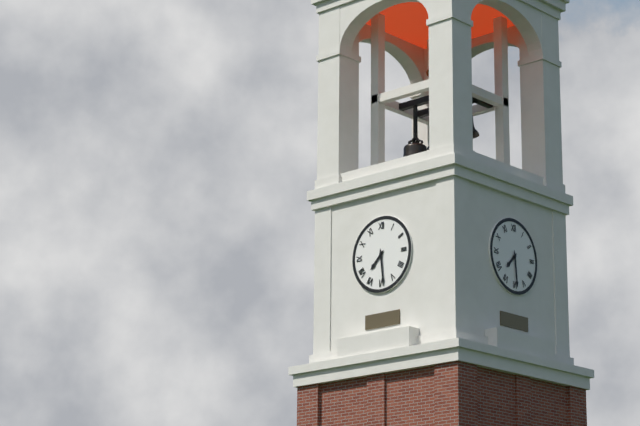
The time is 7h29
